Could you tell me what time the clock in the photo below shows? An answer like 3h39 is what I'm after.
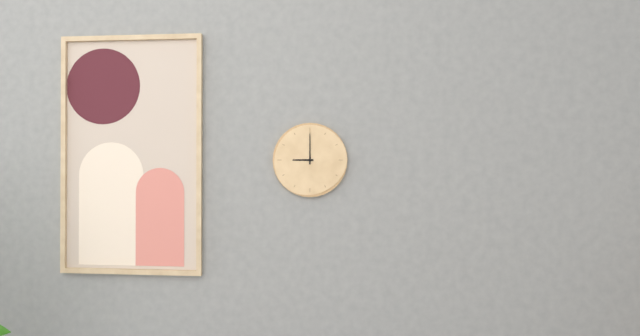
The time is 9h00
